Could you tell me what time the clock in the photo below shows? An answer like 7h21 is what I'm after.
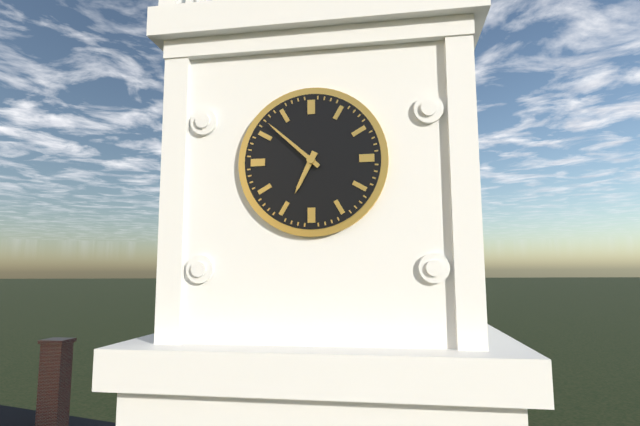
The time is 6h52
